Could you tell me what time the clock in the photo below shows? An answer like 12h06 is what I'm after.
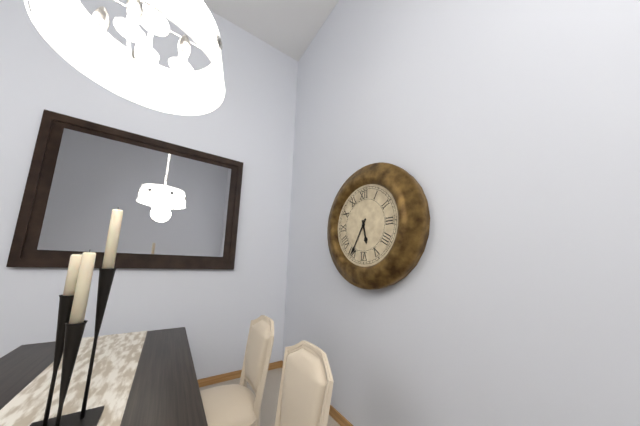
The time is 5h35
